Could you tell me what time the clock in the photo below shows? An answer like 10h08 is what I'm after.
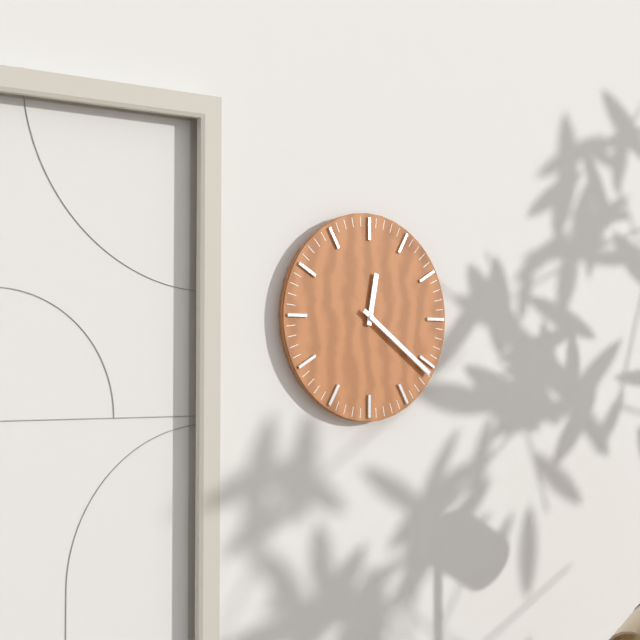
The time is 12h21
